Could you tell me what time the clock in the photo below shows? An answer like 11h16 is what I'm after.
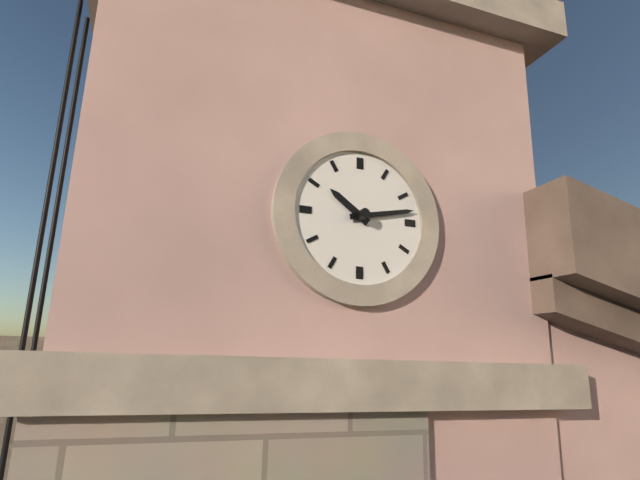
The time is 10h13
